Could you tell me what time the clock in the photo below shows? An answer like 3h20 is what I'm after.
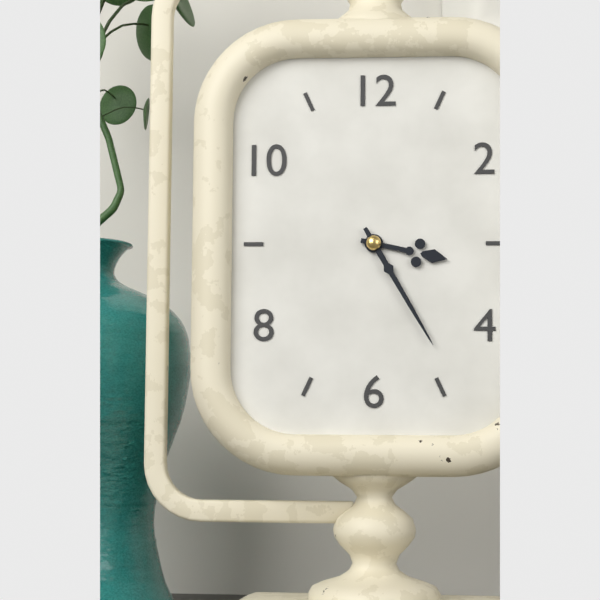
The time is 3h25
